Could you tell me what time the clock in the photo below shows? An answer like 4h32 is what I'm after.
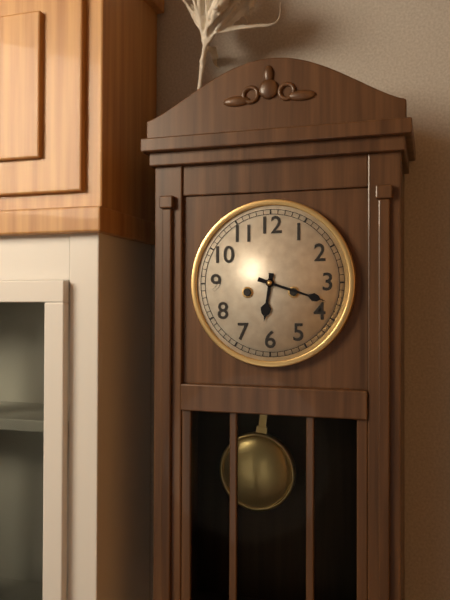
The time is 6h18
